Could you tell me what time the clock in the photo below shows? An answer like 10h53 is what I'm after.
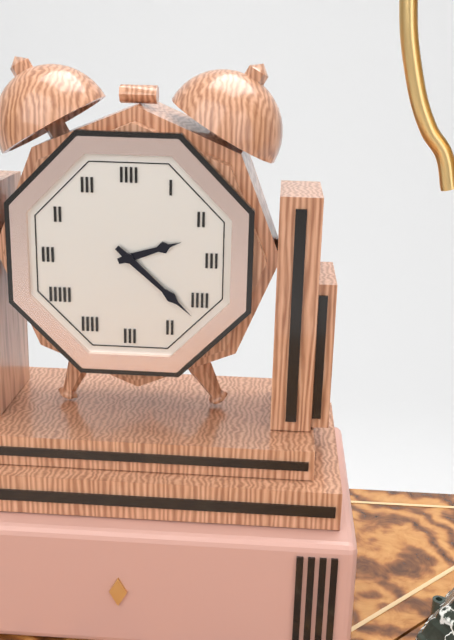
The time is 2h22
